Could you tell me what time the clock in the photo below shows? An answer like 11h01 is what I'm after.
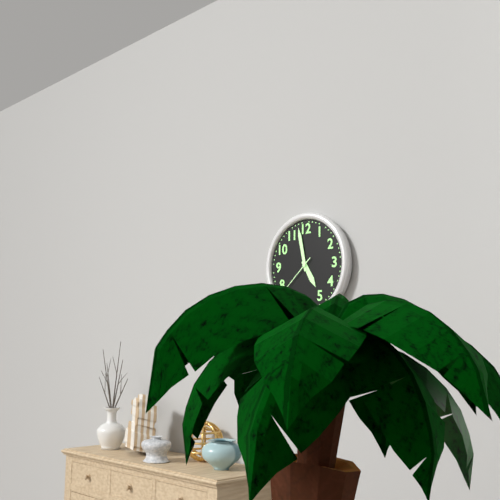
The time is 4h58
